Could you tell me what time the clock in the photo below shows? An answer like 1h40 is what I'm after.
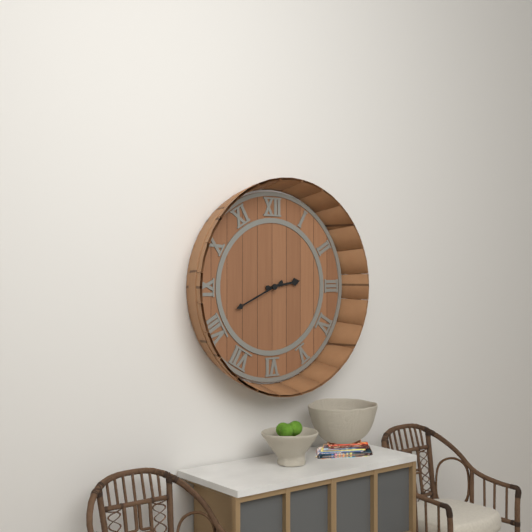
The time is 2h41
